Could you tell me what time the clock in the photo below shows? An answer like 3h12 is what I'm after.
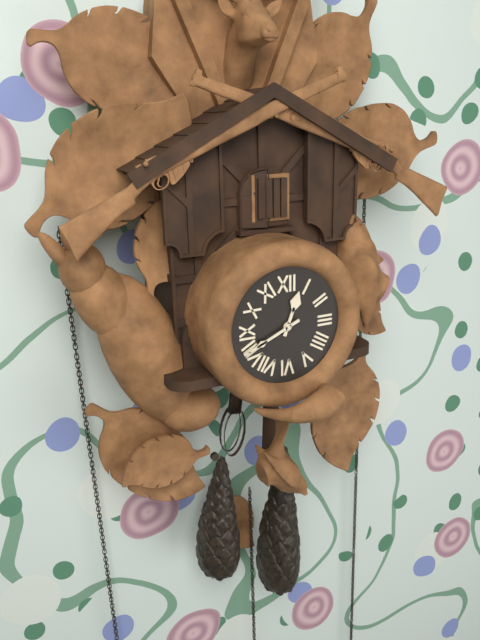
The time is 12h41
